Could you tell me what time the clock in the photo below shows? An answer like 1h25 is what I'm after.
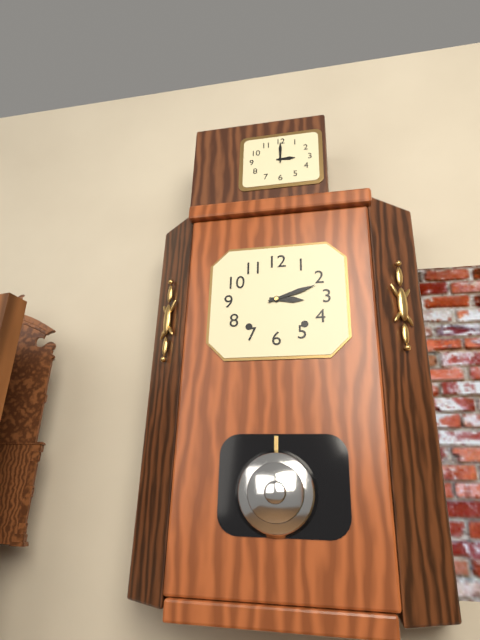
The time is 3h12
